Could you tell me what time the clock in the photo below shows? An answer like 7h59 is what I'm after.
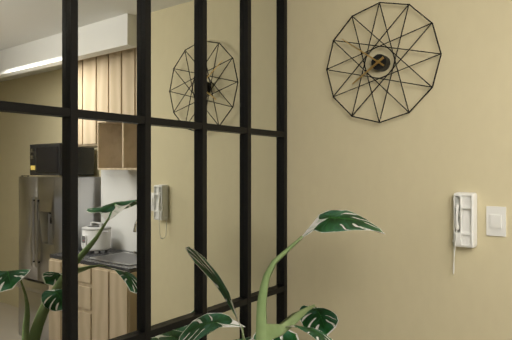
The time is 7h51
